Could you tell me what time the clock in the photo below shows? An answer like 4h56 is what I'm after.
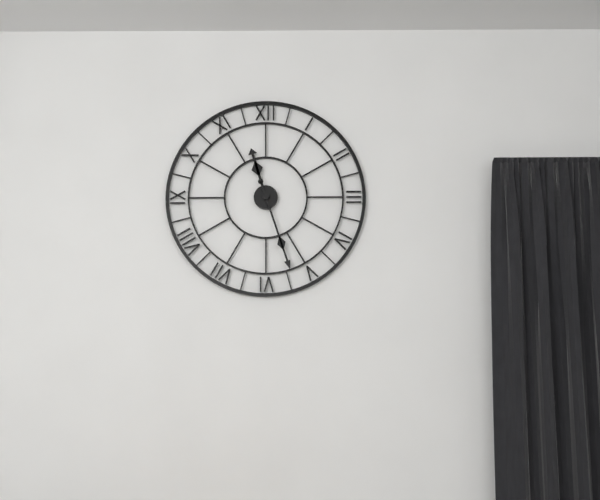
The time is 11h27
